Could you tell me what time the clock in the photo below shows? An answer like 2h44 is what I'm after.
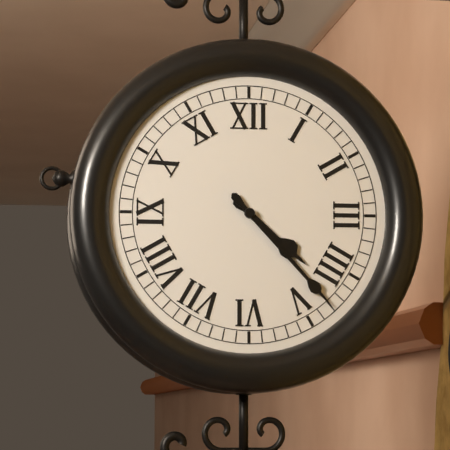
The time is 4h23
